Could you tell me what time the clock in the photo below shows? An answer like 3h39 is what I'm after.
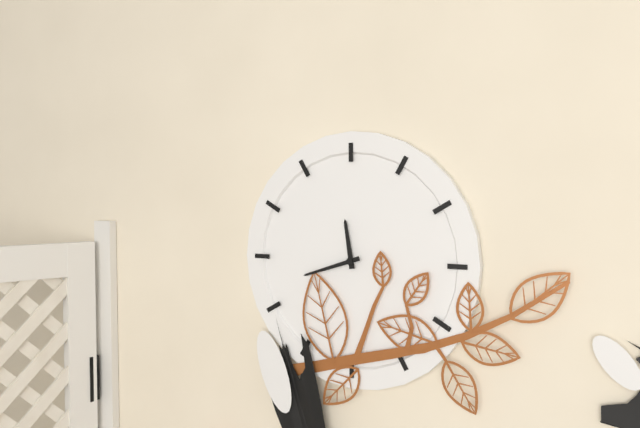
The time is 11h42
